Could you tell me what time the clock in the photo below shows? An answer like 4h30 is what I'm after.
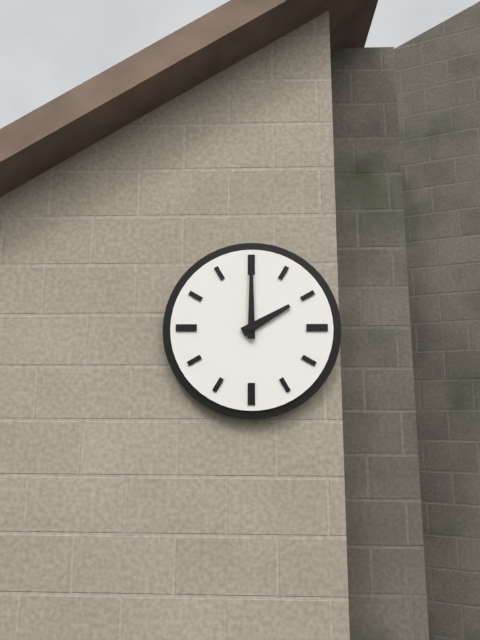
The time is 2h00
